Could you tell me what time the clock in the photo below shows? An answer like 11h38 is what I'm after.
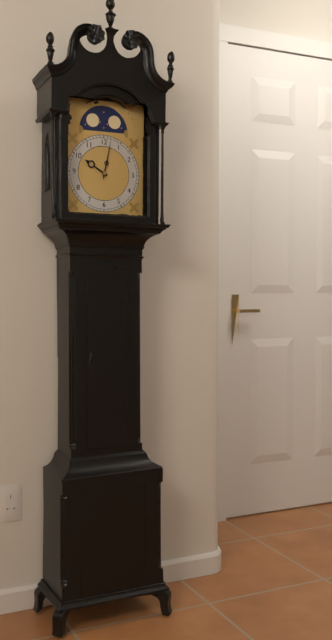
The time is 10h02
